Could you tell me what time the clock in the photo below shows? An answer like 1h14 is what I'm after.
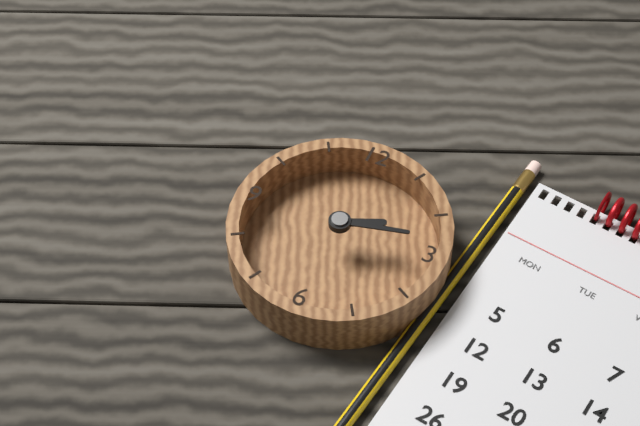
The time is 2h13
